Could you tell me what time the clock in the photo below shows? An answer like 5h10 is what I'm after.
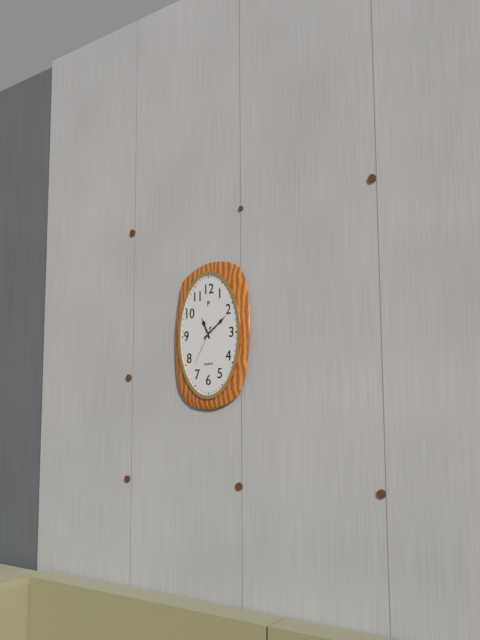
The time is 11h09
